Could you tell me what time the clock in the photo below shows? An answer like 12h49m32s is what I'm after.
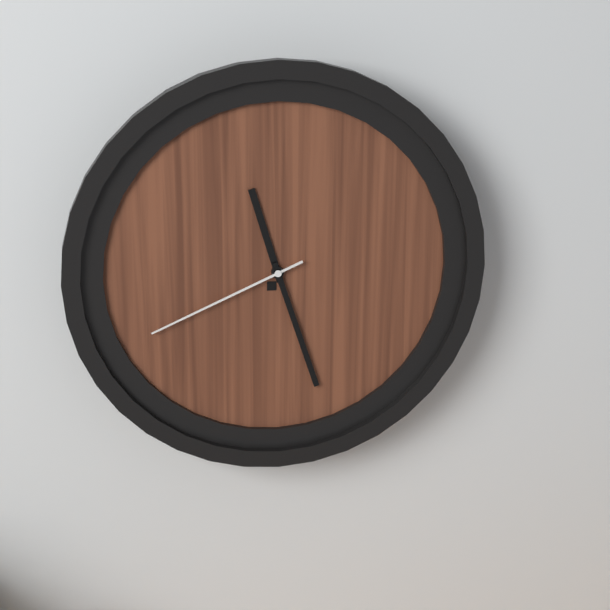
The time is 11h27m41s
